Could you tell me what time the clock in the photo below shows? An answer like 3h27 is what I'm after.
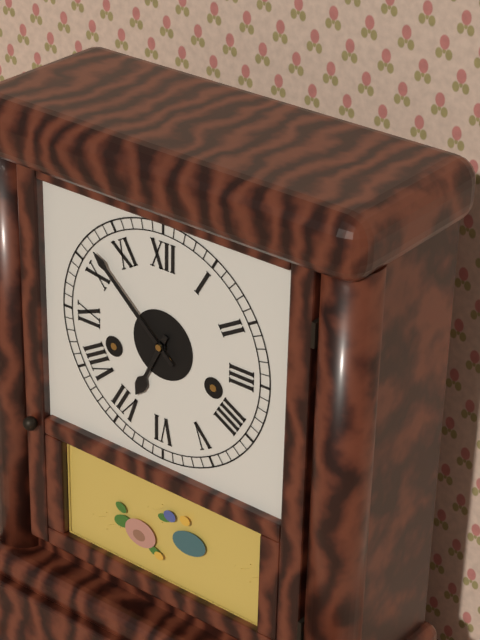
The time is 6h52
